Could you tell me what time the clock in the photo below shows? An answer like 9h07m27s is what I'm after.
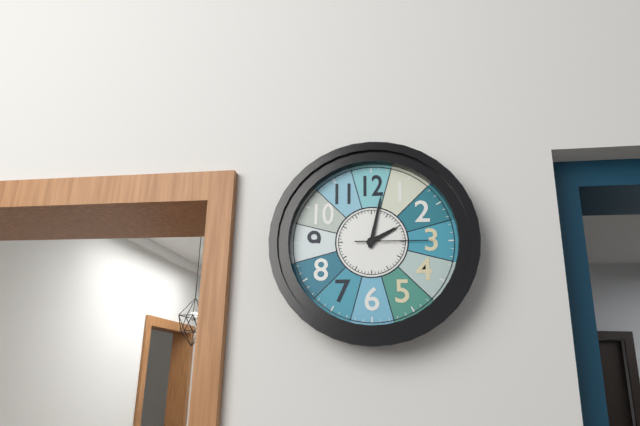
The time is 2h02m15s
